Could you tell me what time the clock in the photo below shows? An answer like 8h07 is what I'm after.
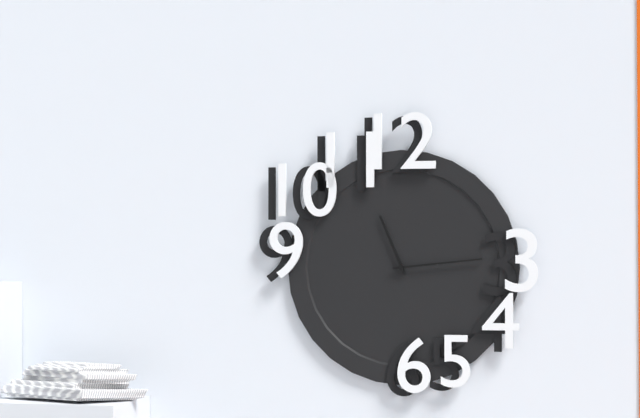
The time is 11h14
